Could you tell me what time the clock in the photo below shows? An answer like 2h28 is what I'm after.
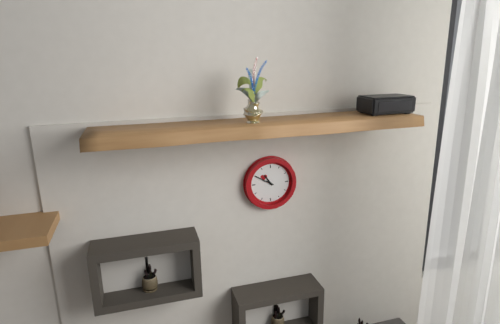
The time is 10h50
